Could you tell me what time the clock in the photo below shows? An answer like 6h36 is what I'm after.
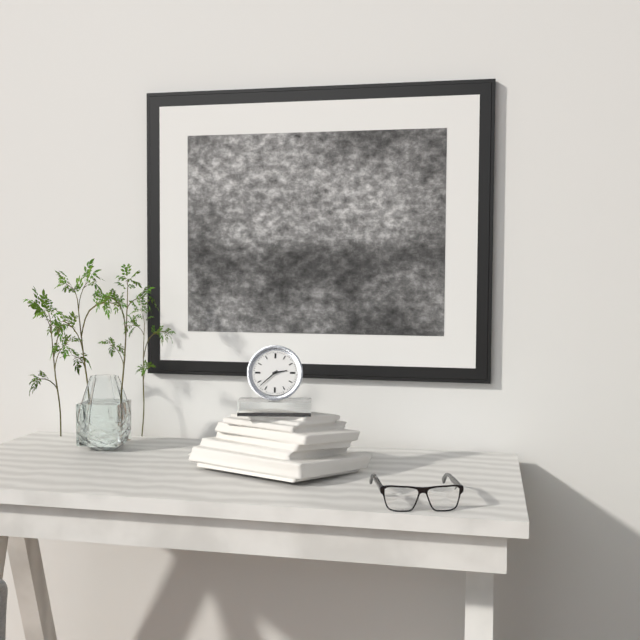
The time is 2h38
